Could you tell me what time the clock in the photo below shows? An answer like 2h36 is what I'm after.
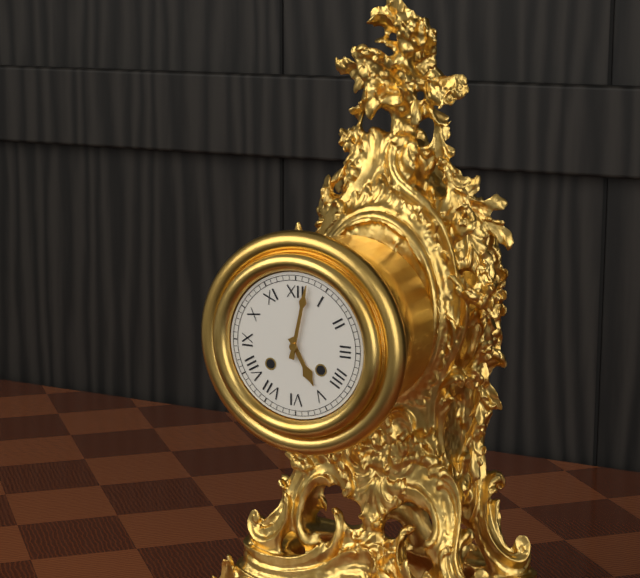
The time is 5h02
